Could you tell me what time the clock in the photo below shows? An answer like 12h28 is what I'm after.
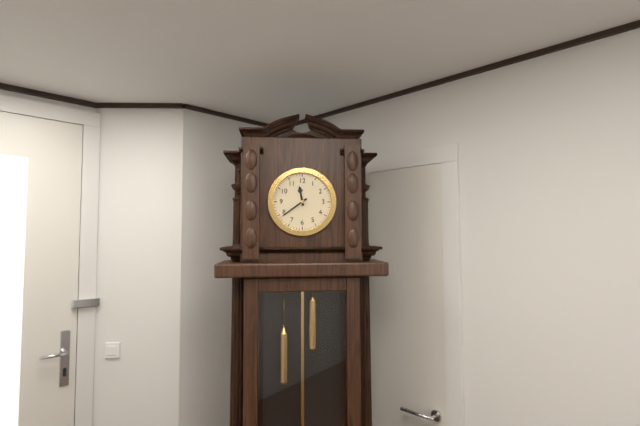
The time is 11h39
